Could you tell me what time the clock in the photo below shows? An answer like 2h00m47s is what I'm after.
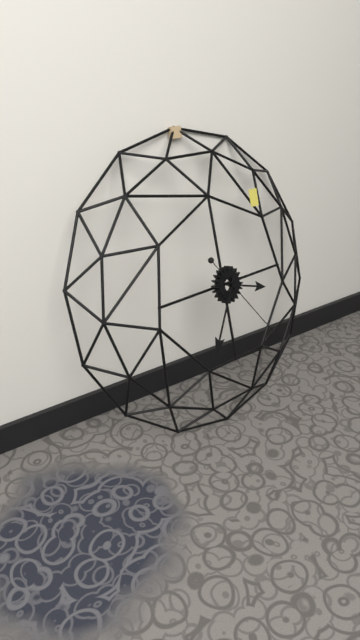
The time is 3h35m24s
